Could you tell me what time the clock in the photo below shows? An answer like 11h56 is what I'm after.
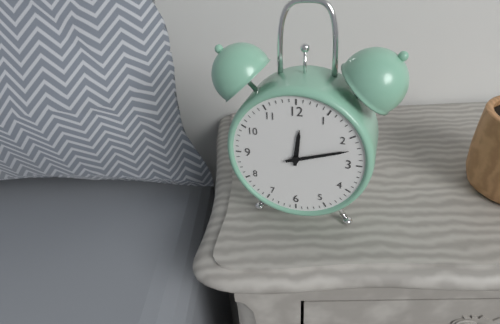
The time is 12h12
